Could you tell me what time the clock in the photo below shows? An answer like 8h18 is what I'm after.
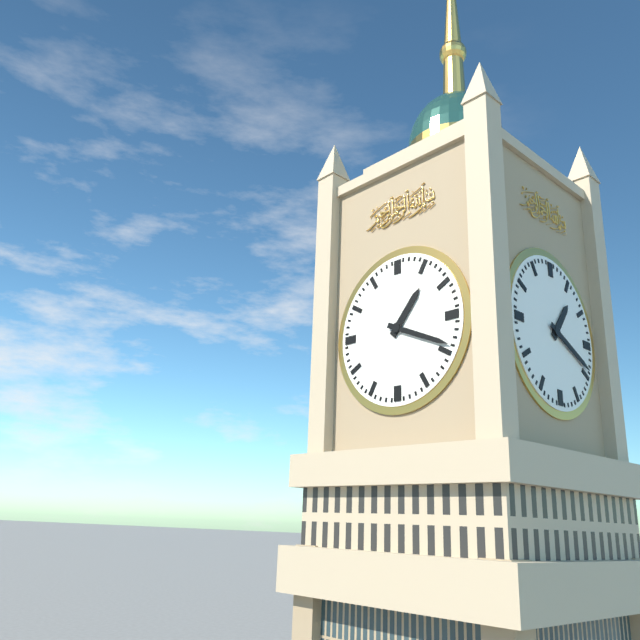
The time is 1h19
